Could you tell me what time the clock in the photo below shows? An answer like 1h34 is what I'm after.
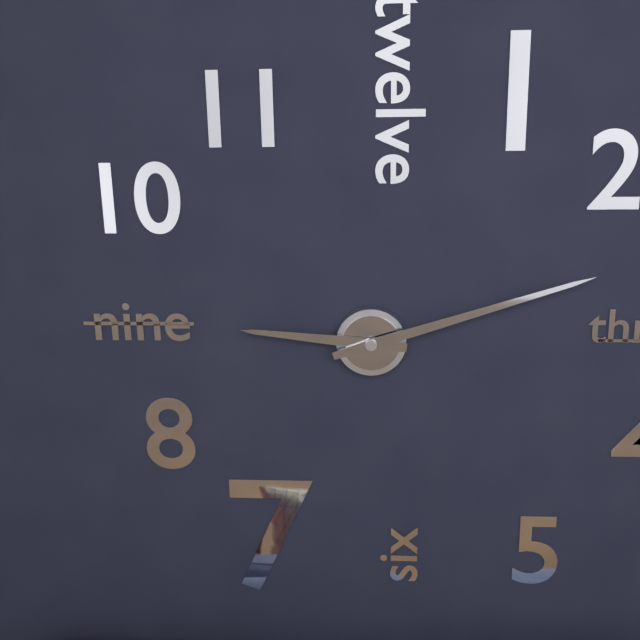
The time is 9h12
